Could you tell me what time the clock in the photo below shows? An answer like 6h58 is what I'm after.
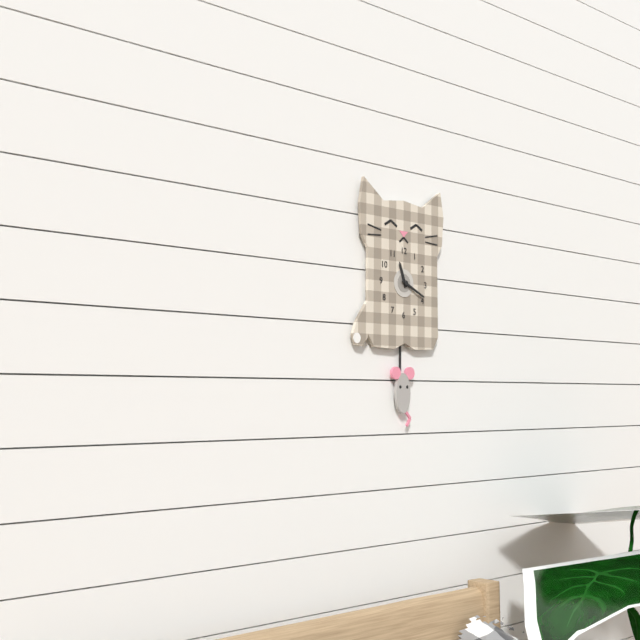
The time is 11h19
